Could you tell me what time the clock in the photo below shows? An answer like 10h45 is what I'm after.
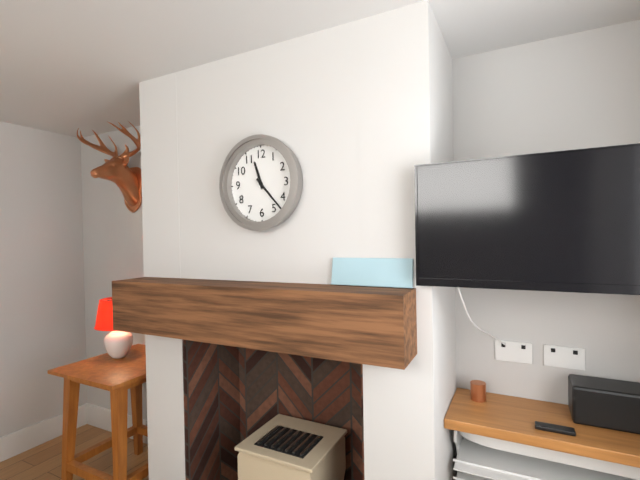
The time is 11h23
